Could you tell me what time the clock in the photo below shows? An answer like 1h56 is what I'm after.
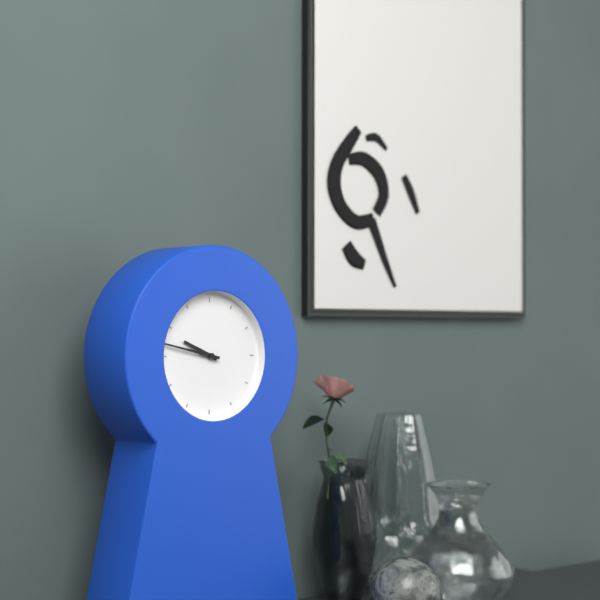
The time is 9h47
